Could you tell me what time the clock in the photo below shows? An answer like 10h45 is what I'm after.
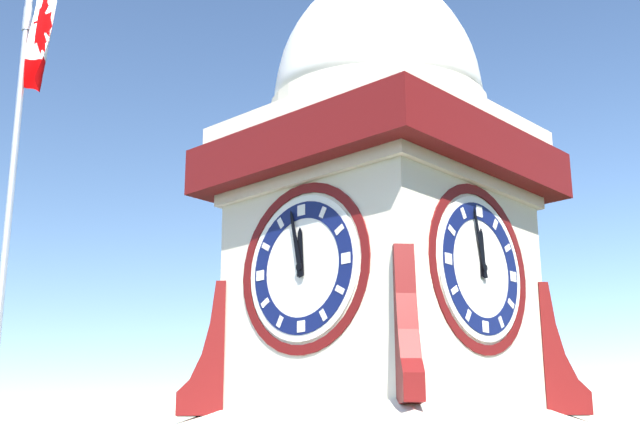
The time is 11h58
